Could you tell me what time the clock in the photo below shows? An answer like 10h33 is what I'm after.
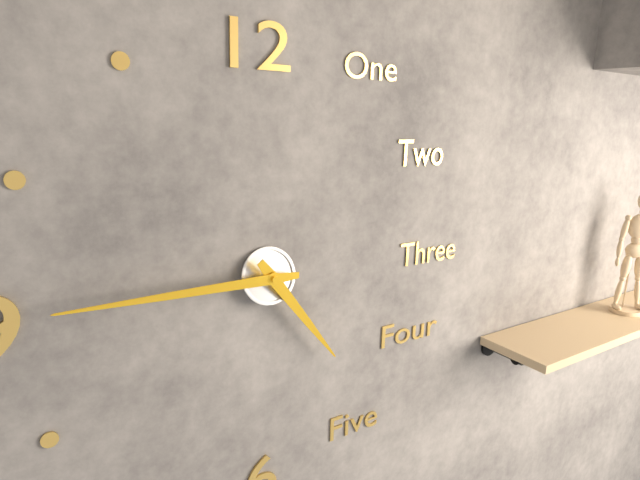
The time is 4h45
